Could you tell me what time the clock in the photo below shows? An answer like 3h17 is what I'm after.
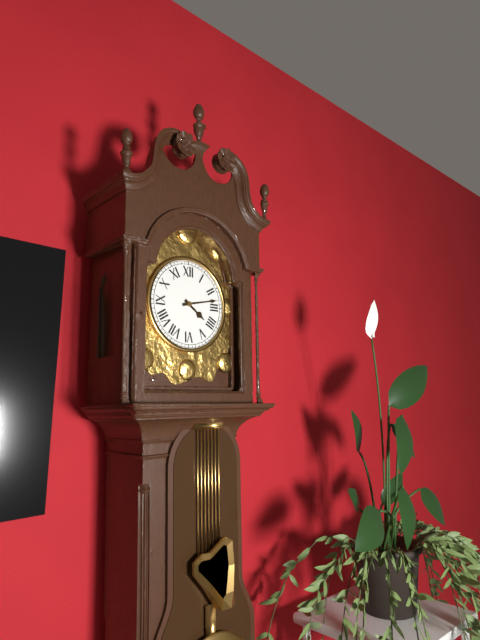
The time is 4h13
